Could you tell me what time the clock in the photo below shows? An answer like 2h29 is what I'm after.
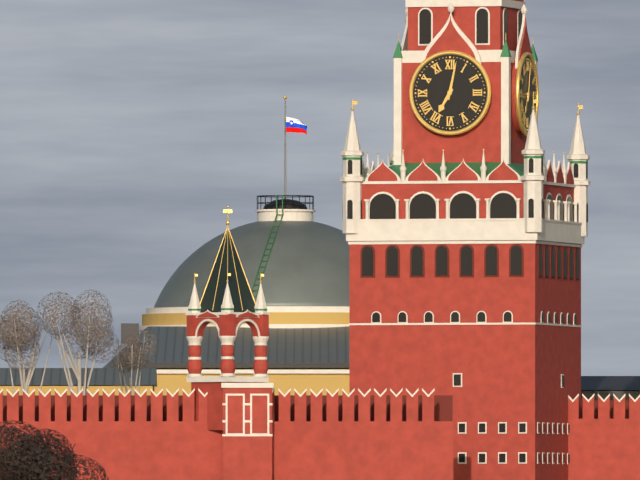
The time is 7h02
